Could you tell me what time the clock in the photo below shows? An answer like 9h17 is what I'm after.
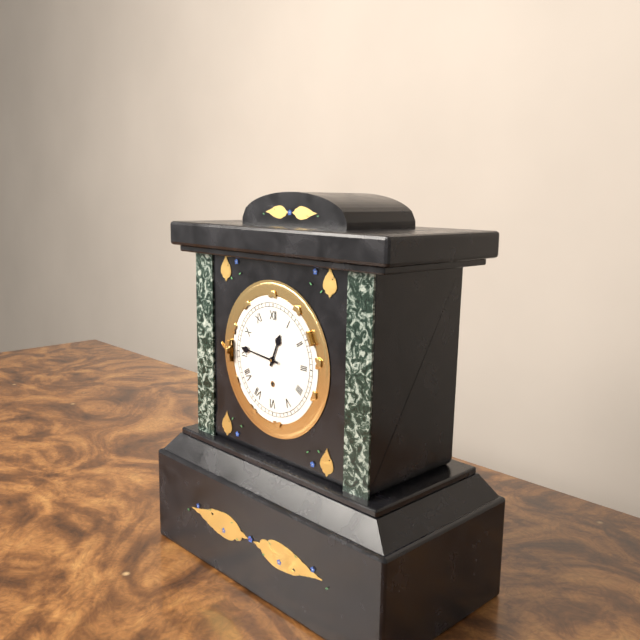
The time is 12h46
